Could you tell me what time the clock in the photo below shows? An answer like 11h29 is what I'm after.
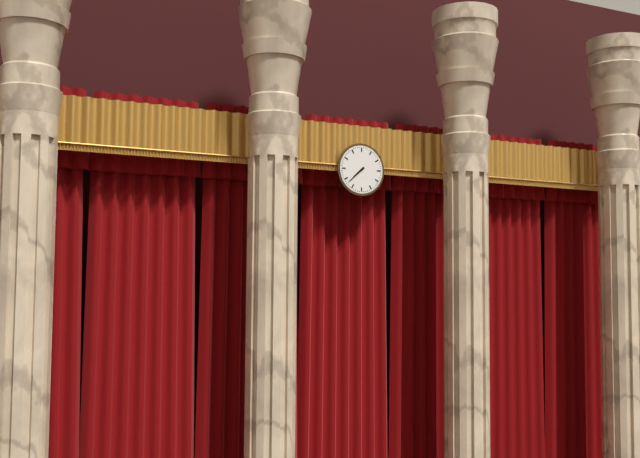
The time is 7h38
